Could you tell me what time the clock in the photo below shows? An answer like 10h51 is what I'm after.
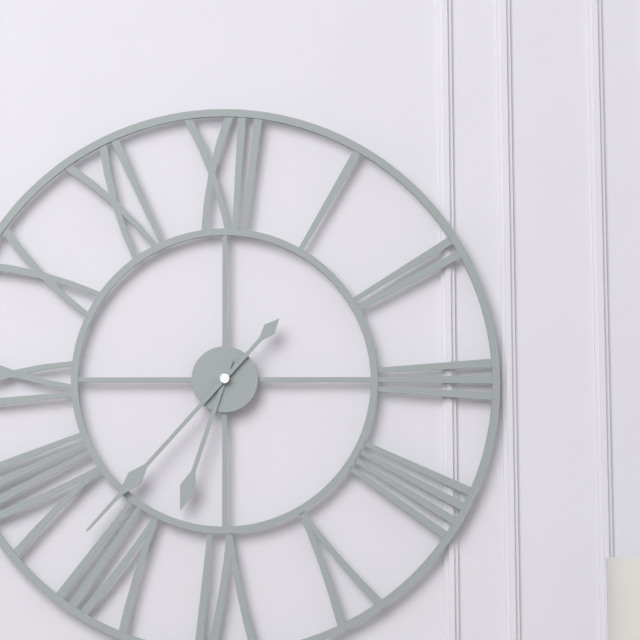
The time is 6h37
